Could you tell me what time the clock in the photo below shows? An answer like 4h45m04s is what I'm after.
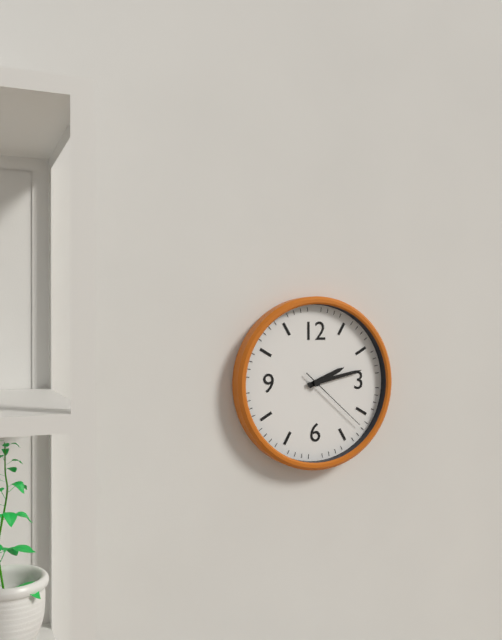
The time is 2h13m22s
